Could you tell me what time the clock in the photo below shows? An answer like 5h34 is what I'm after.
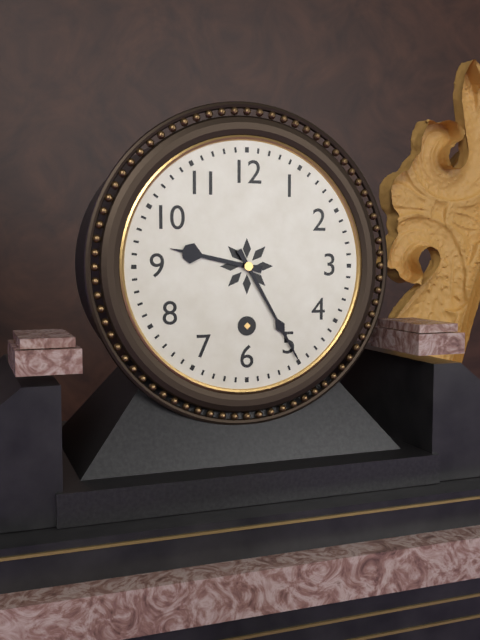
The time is 9h25
